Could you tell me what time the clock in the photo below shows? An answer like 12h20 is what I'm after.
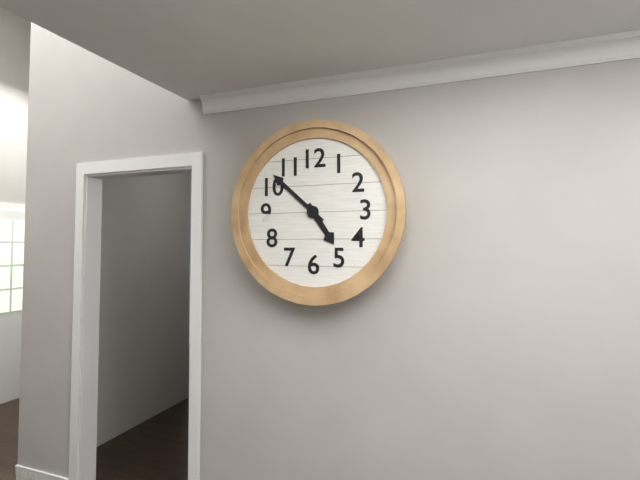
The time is 4h52
